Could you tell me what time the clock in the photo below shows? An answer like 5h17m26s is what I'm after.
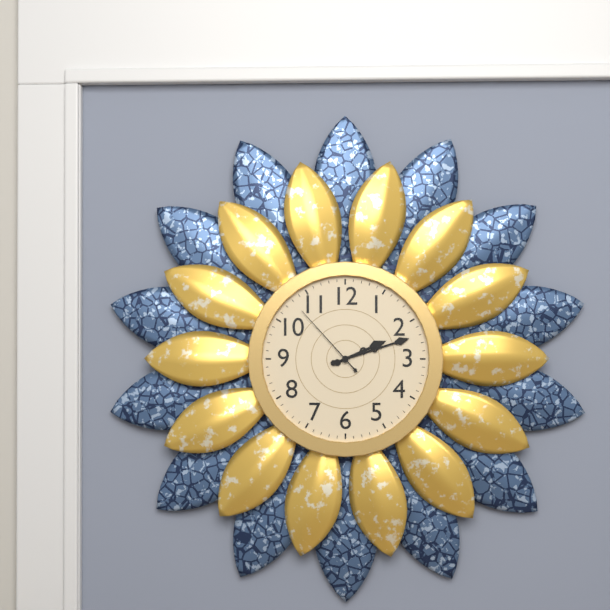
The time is 2h12m53s
